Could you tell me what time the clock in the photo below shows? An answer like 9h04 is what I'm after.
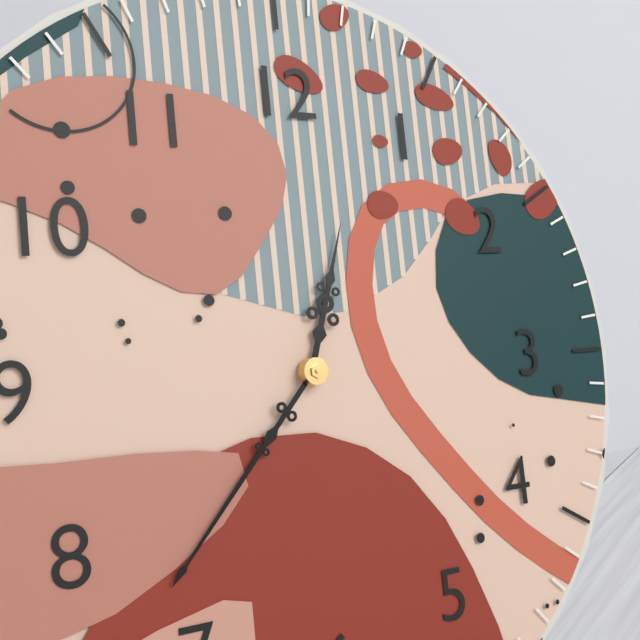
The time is 12h37
